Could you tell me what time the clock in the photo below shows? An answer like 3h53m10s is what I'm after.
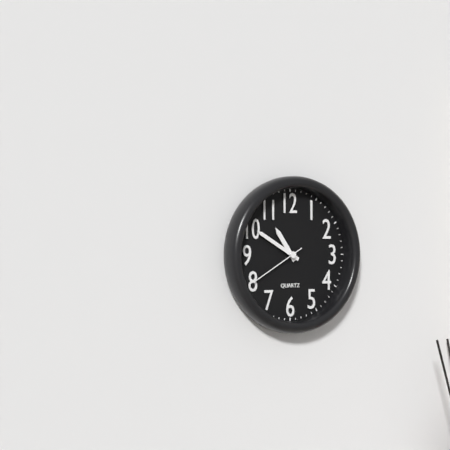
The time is 10h50m40s
